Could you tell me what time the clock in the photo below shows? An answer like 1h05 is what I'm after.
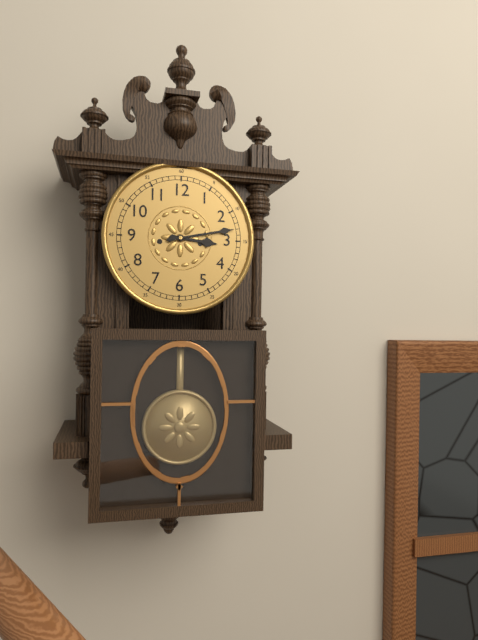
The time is 3h13
